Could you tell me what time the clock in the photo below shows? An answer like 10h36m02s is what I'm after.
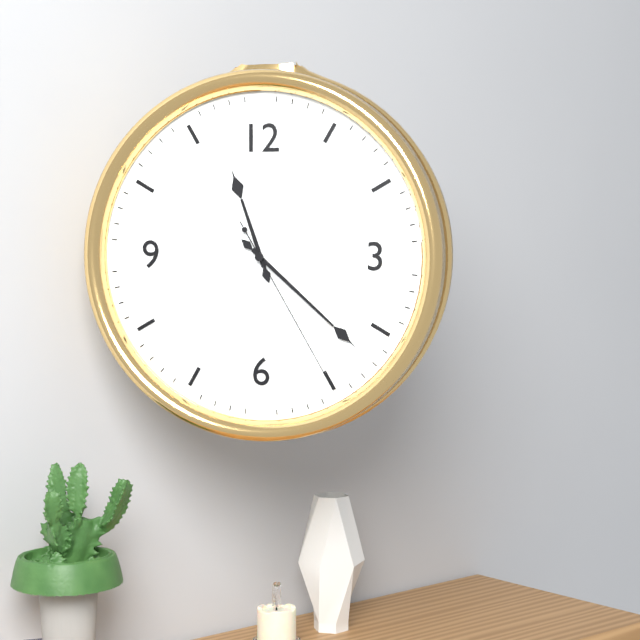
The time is 11h22m25s
